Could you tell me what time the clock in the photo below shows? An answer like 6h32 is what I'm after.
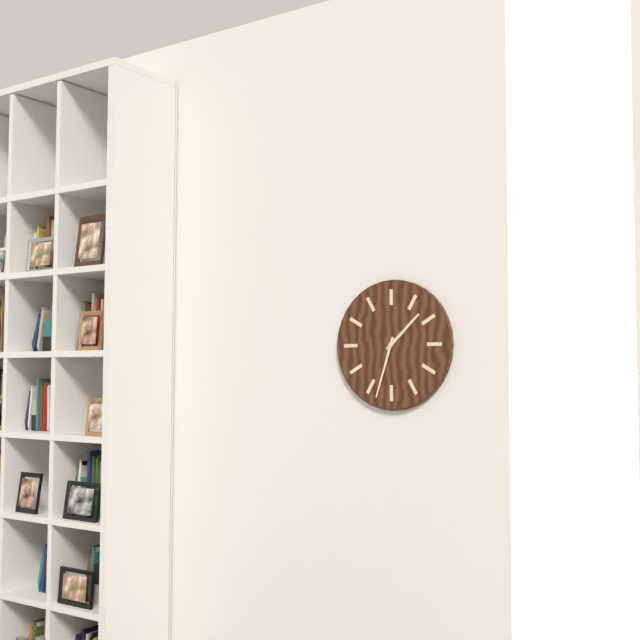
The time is 1h33
